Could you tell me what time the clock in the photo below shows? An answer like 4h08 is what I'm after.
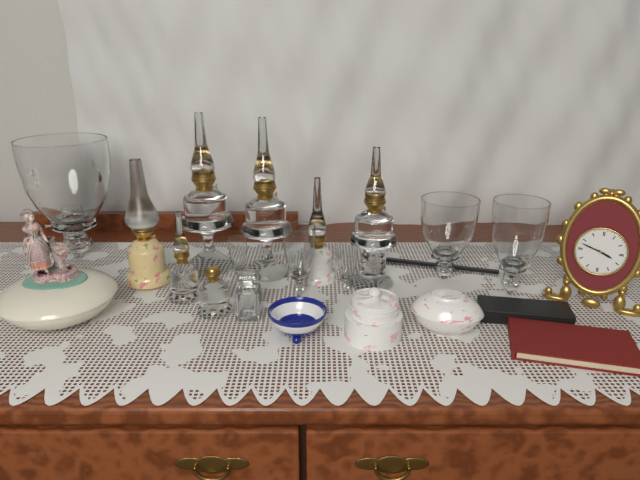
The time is 3h48
